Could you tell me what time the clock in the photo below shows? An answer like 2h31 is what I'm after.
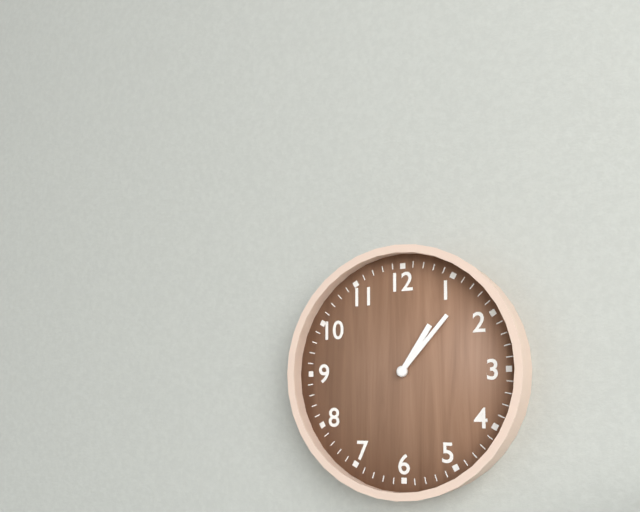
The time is 1h07
